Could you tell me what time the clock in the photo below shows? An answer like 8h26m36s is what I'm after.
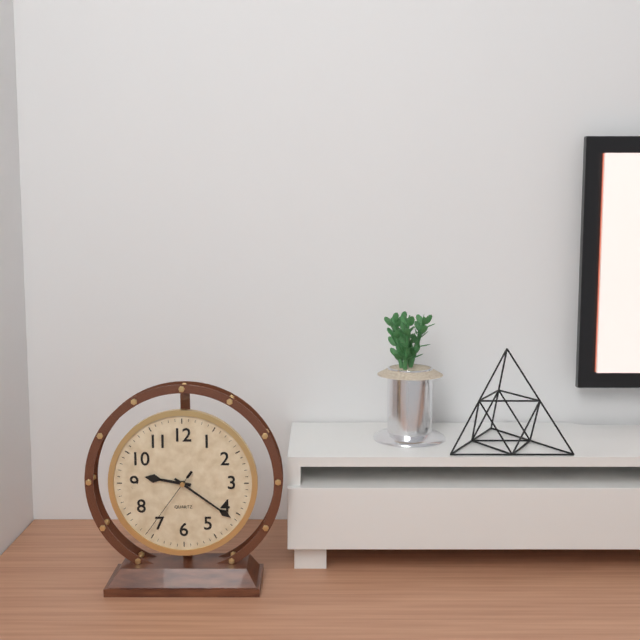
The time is 9h21m36s
